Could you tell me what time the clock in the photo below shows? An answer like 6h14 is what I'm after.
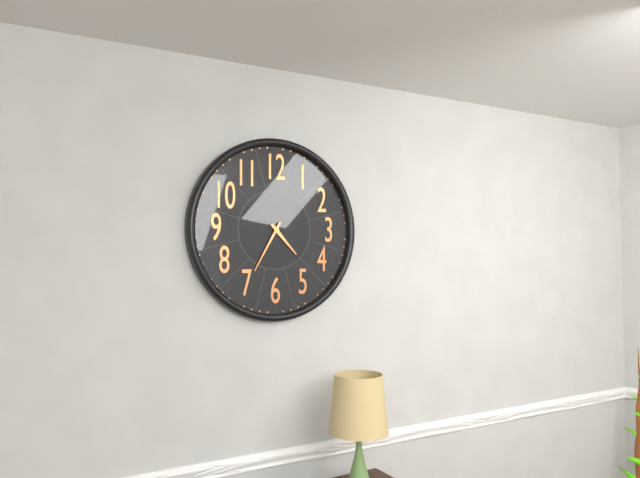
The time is 4h35
